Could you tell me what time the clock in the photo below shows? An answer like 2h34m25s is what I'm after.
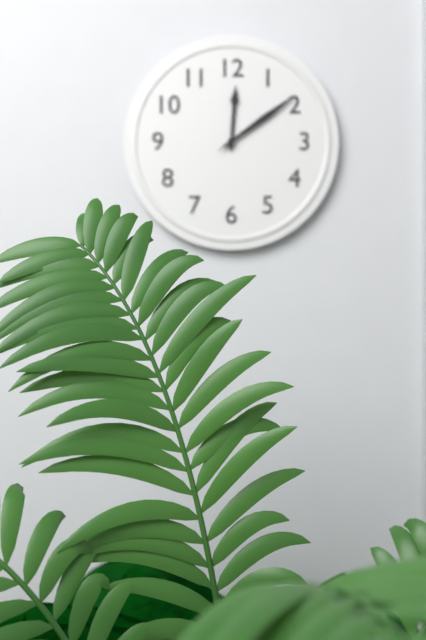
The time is 12h09m09s
